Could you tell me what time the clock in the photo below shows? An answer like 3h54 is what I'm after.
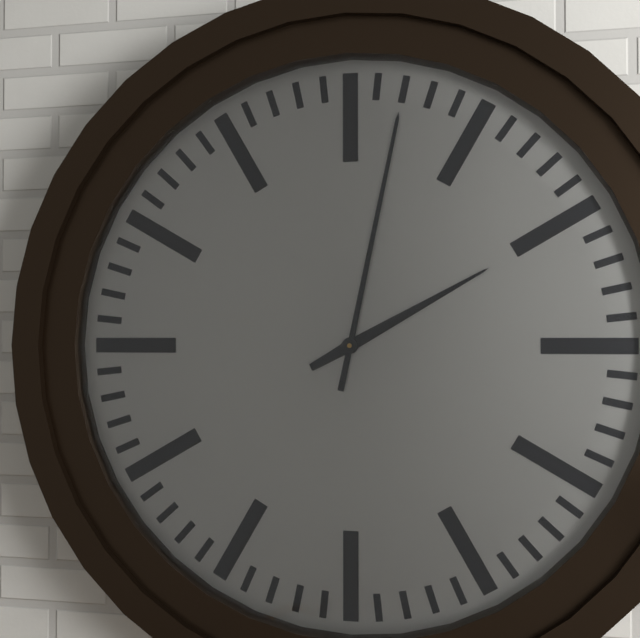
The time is 2h02
